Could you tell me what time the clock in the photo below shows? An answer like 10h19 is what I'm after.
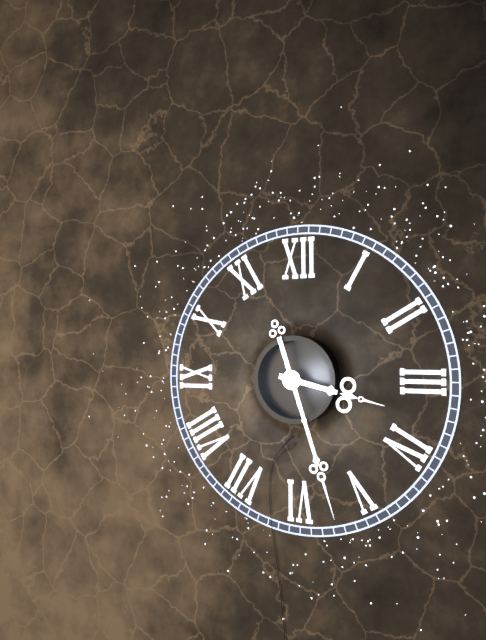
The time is 3h27
